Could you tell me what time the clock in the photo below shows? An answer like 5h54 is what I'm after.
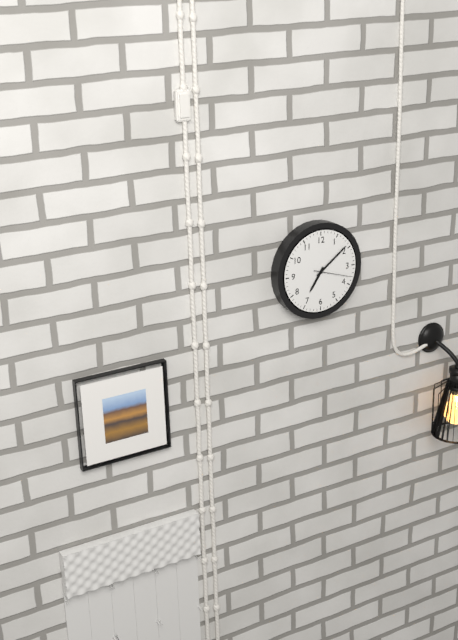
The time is 7h09
